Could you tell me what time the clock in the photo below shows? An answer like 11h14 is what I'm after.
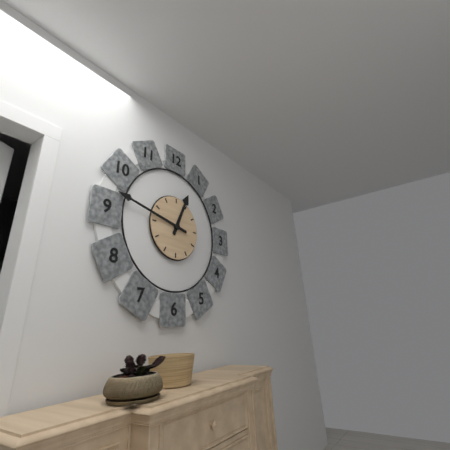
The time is 12h47
